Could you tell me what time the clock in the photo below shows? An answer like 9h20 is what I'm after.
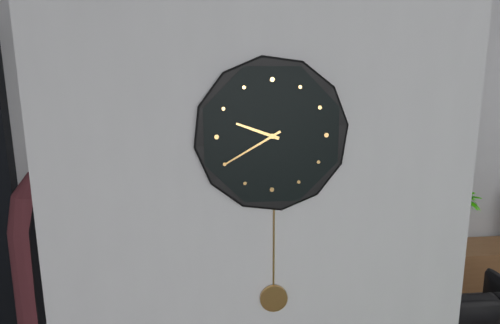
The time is 9h40
